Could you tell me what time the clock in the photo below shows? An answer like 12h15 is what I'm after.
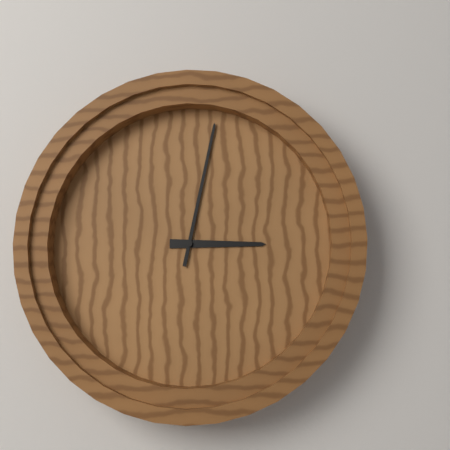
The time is 3h02
